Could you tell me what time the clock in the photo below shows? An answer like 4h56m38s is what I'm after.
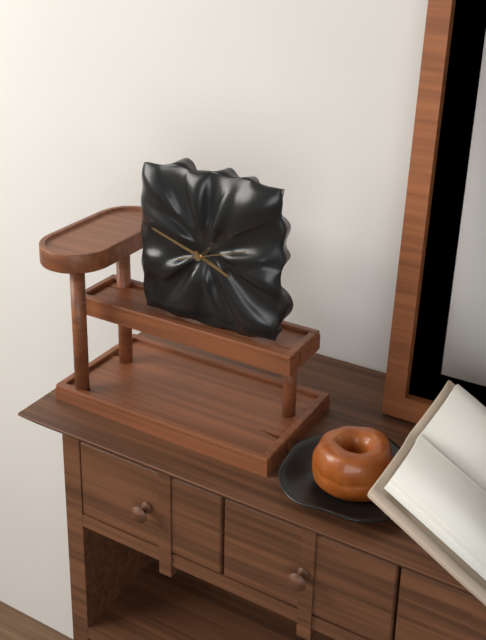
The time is 3h48m12s
